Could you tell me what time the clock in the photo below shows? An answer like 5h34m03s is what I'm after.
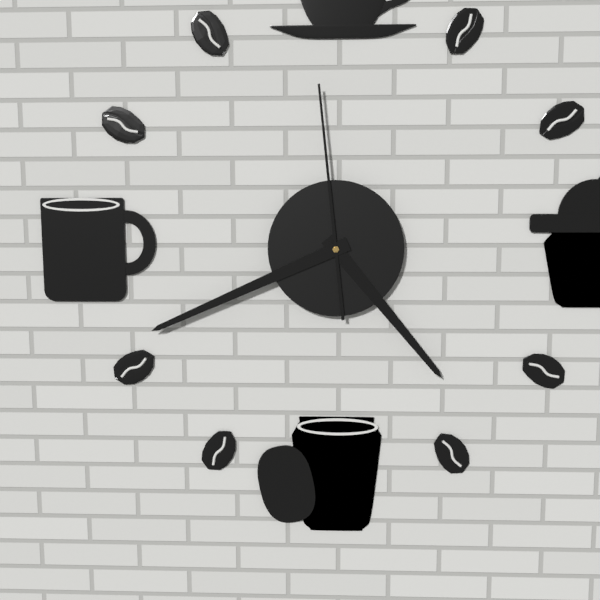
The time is 4h41m59s
